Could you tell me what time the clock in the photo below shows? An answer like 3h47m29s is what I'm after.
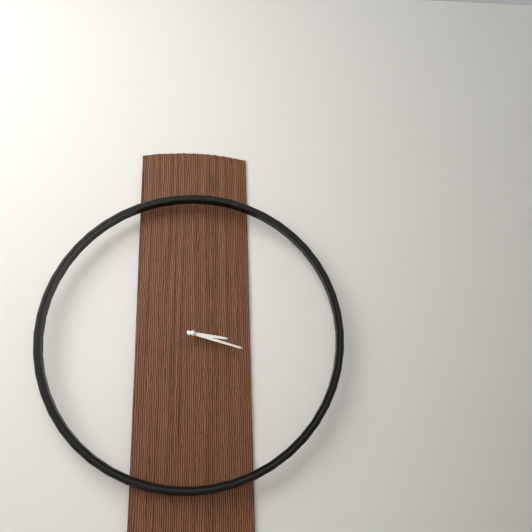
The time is 3h18m39s
